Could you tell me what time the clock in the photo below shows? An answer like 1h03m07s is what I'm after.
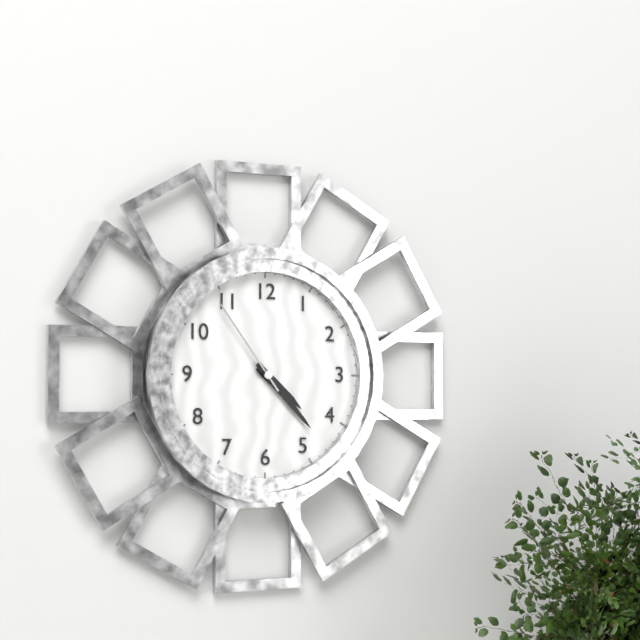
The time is 4h23m54s
